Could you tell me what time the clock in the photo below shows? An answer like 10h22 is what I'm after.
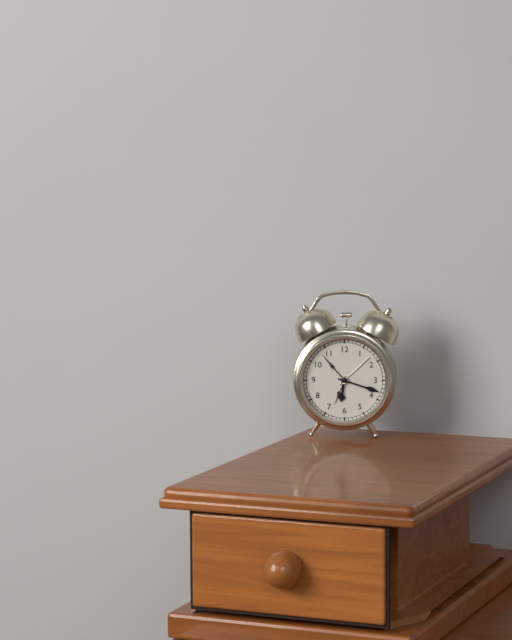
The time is 6h18
